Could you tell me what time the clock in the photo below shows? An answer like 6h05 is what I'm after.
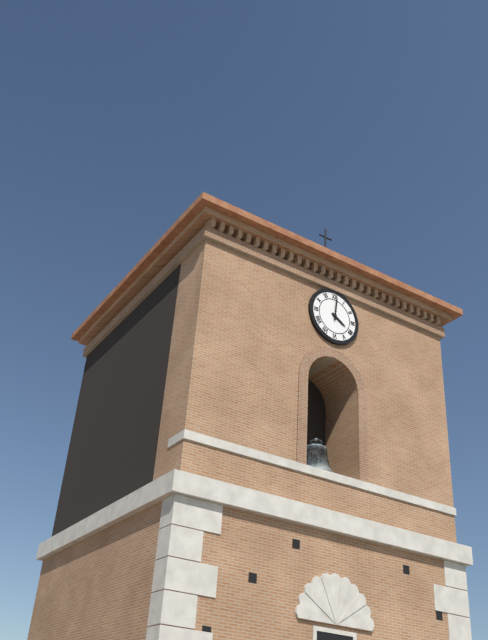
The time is 4h01
